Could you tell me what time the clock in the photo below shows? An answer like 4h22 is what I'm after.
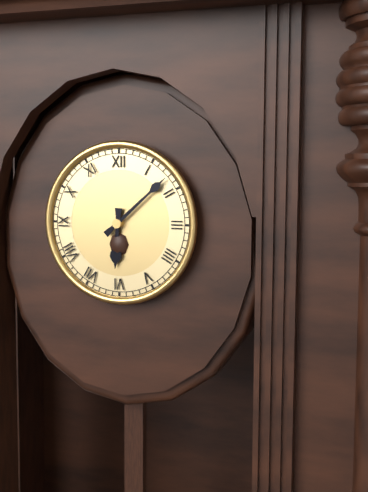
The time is 6h08
